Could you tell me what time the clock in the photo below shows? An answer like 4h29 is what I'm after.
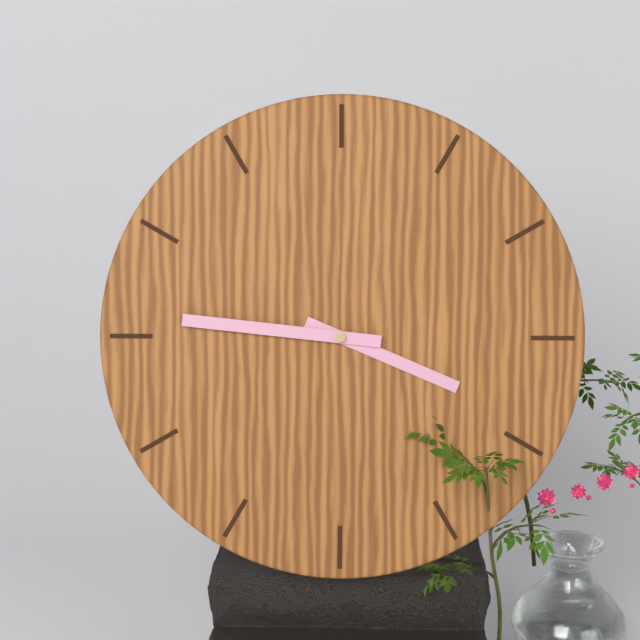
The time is 3h46
